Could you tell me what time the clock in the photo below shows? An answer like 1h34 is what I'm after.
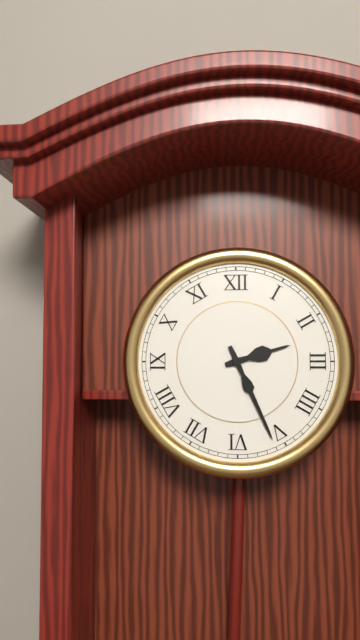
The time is 2h26
